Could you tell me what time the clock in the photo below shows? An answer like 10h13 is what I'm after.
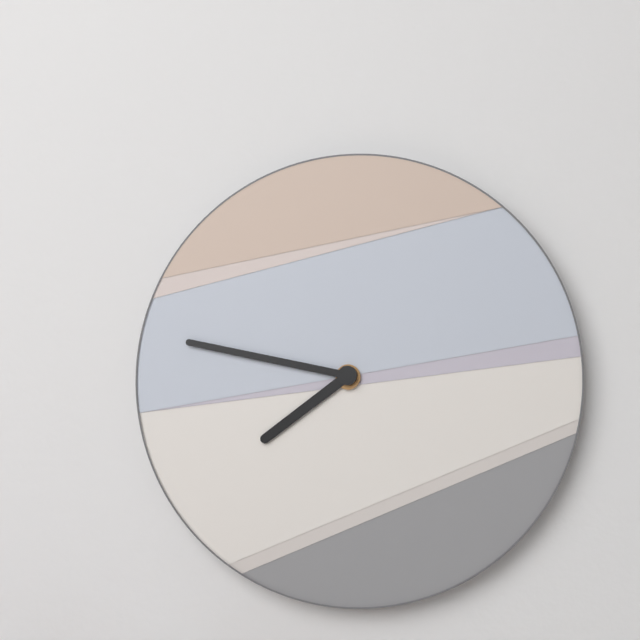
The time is 7h47
